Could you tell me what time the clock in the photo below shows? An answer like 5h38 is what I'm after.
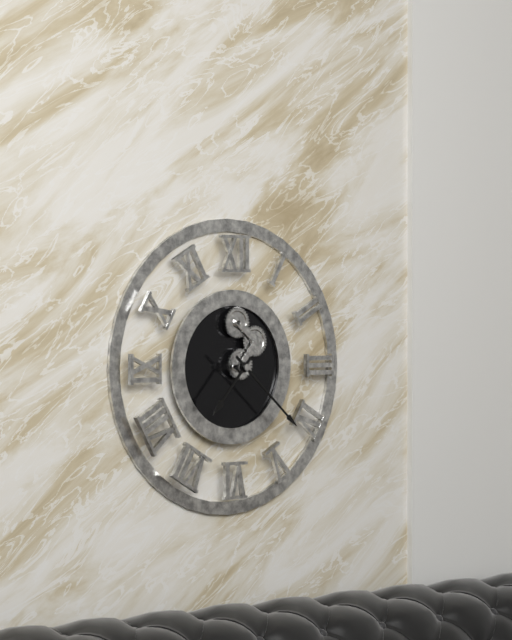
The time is 7h22
